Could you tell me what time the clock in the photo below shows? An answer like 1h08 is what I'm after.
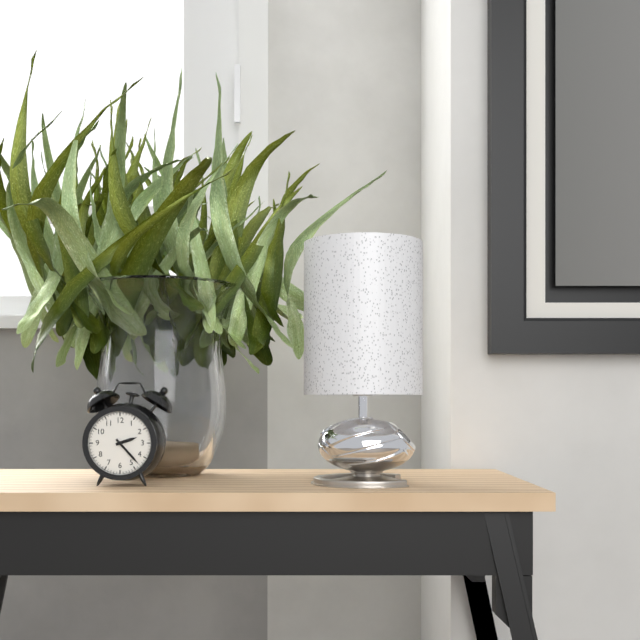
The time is 2h23
